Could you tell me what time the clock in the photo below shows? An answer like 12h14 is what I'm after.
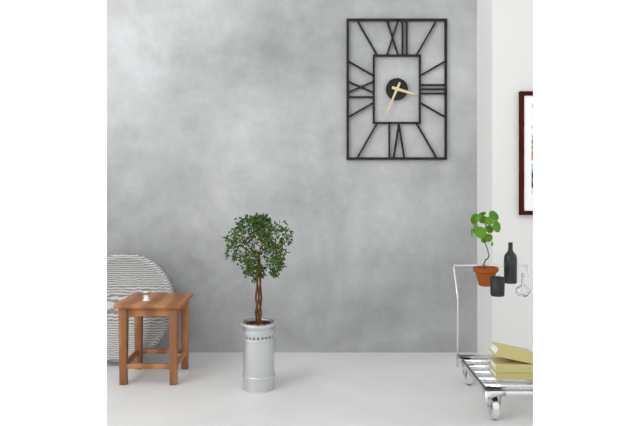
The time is 3h34
